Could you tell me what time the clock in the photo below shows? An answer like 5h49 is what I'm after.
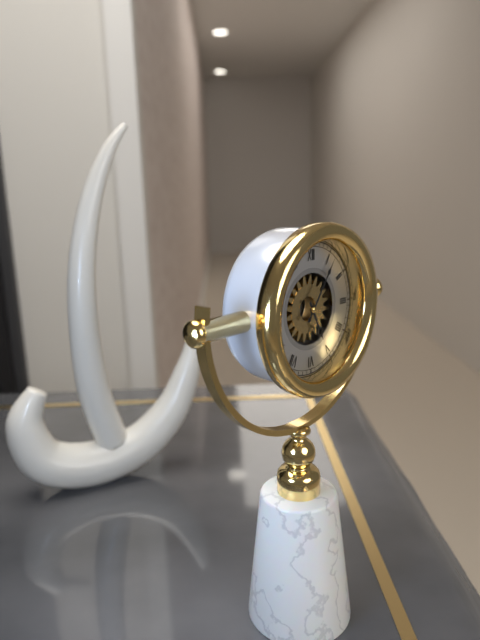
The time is 5h06
